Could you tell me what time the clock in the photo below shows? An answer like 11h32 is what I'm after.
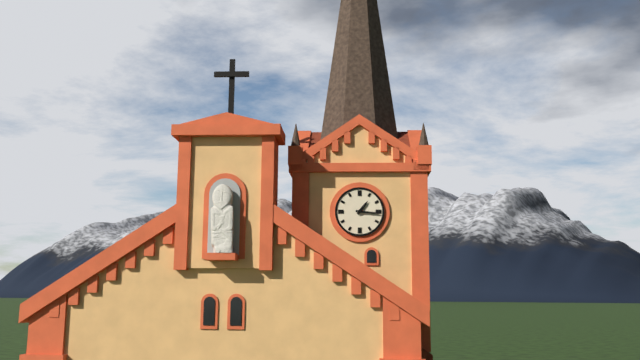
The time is 1h16
